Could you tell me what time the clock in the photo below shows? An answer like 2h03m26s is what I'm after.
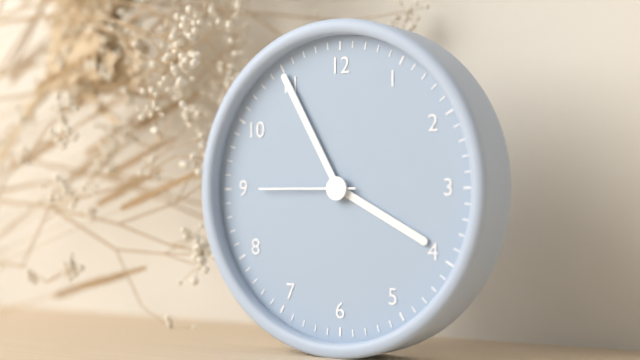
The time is 3h55m45s
